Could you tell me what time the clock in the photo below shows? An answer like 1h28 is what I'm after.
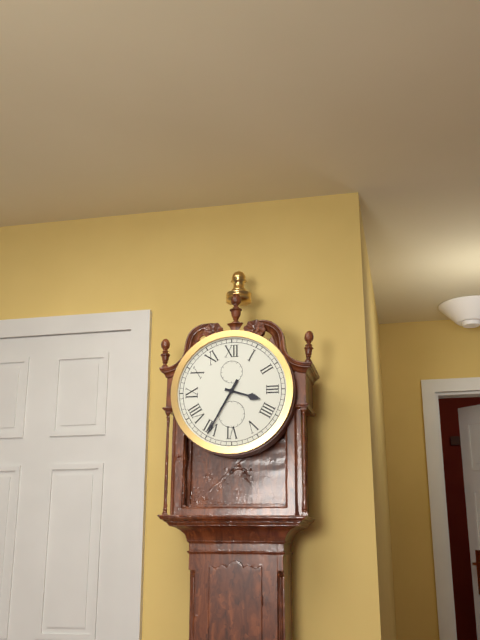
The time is 3h35
